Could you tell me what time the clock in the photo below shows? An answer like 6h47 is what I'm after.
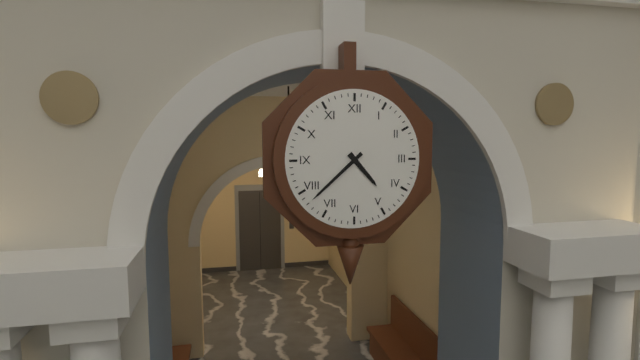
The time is 4h38
